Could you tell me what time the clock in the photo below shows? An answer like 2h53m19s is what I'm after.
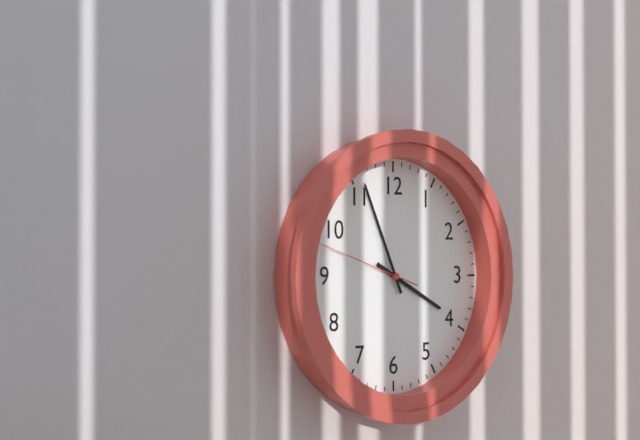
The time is 3h56m48s
